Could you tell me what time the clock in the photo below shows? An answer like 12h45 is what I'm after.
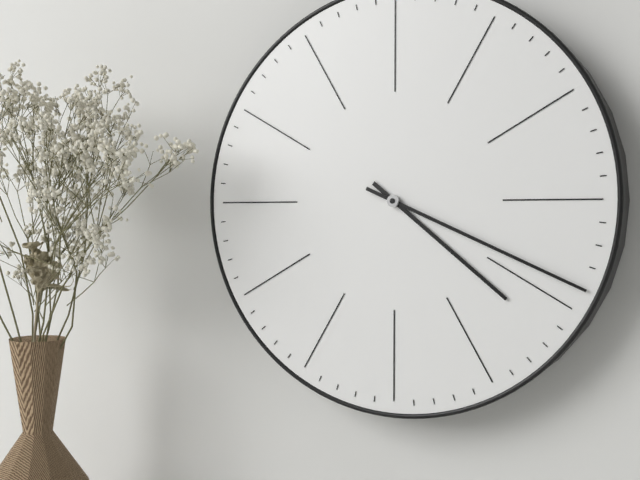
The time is 4h19
